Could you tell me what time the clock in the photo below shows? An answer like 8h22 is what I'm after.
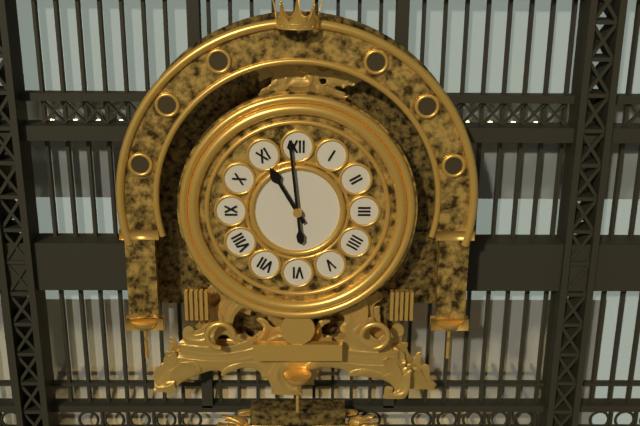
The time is 10h59
